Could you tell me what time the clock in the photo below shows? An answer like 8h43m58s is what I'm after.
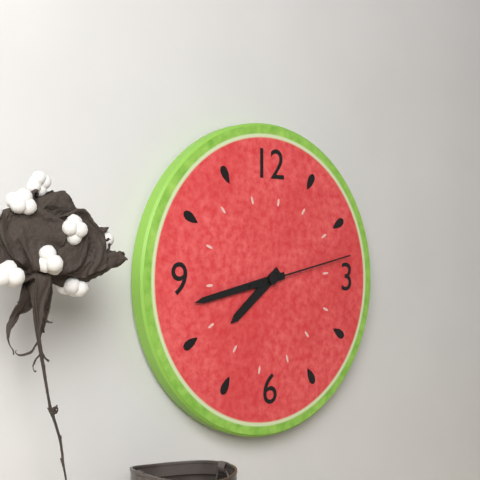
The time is 7h43m13s
